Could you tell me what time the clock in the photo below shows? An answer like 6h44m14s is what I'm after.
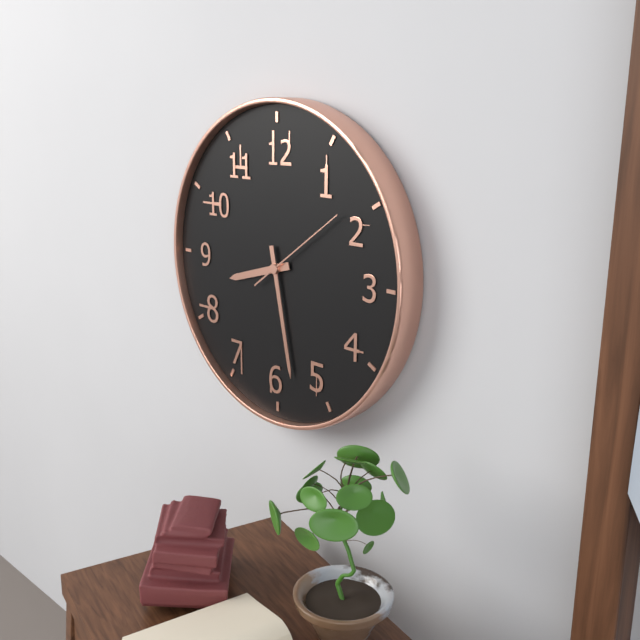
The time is 8h28m09s
